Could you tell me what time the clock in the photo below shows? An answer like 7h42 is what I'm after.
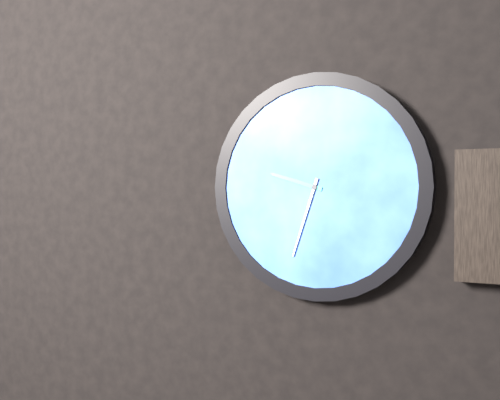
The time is 9h33
